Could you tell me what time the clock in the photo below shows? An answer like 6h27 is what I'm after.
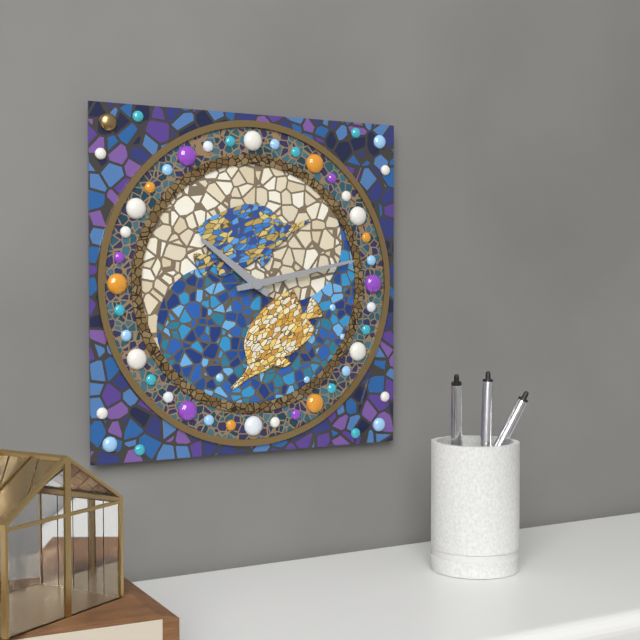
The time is 10h13
